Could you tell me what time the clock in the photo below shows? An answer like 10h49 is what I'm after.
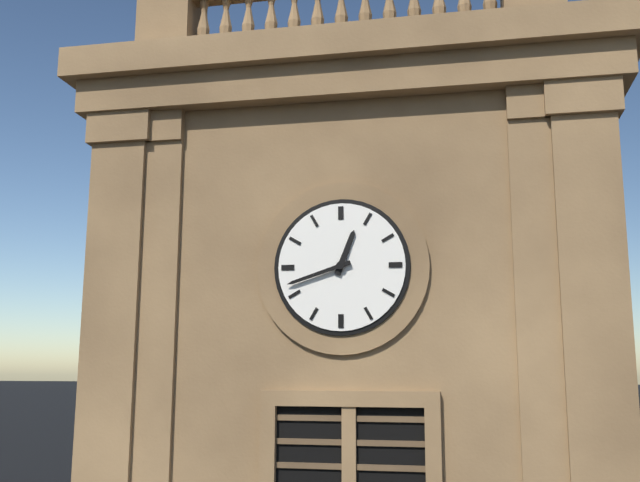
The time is 12h42
